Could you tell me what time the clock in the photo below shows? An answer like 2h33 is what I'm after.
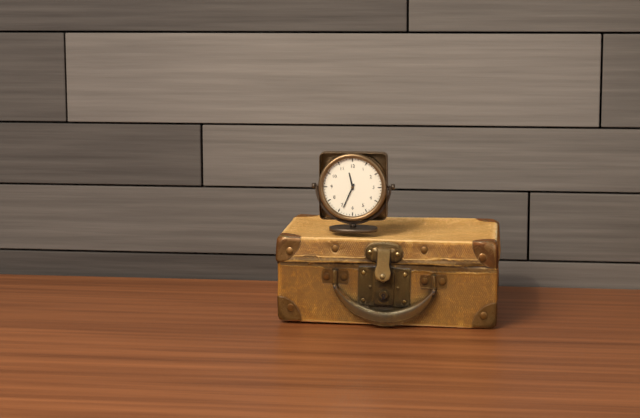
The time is 11h34
